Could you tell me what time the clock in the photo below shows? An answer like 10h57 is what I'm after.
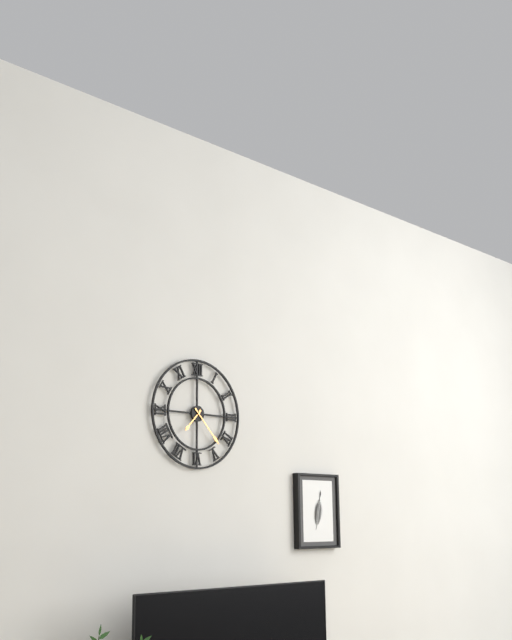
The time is 7h23
